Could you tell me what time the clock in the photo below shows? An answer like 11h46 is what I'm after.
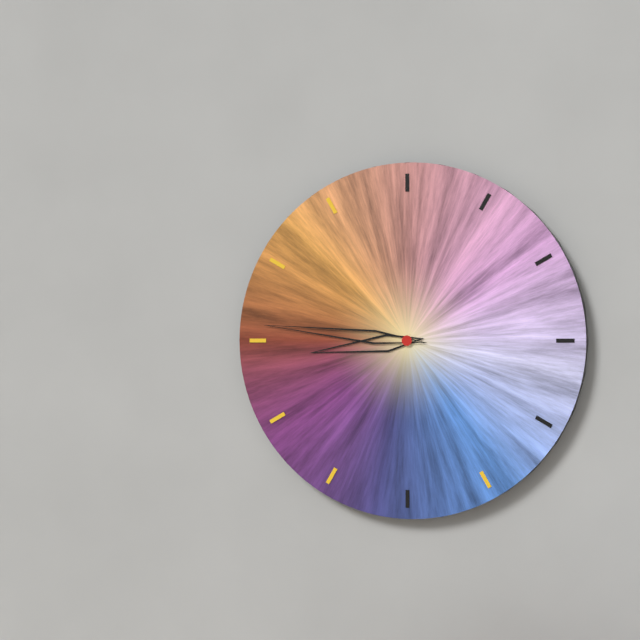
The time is 8h46
